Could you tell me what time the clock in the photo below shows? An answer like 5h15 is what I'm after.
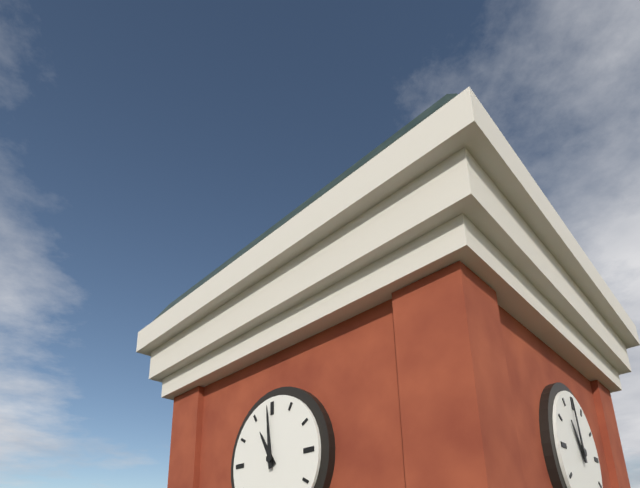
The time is 10h59
